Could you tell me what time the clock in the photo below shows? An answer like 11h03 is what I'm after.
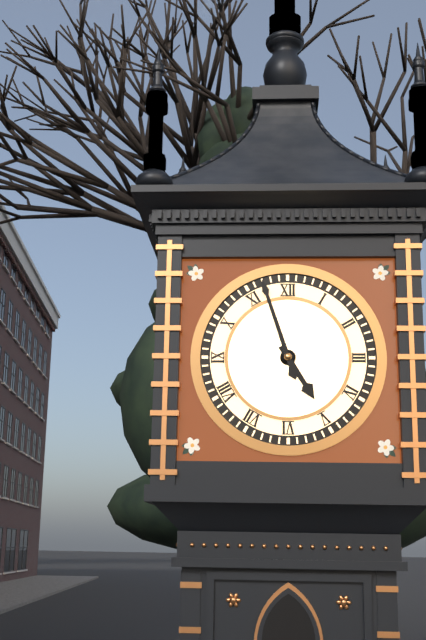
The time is 4h57
